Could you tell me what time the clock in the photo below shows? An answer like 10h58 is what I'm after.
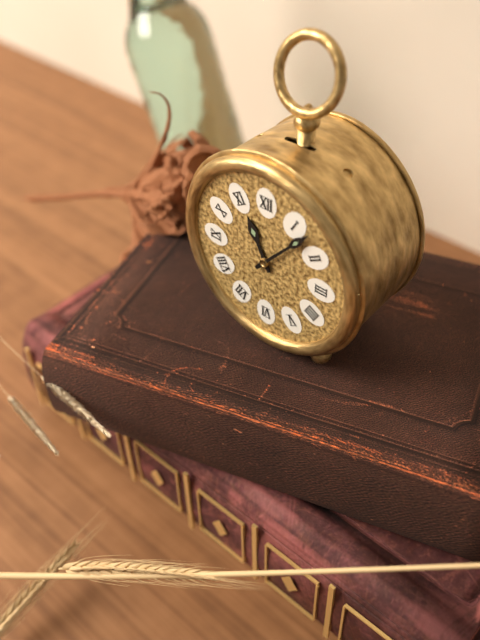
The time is 11h07
